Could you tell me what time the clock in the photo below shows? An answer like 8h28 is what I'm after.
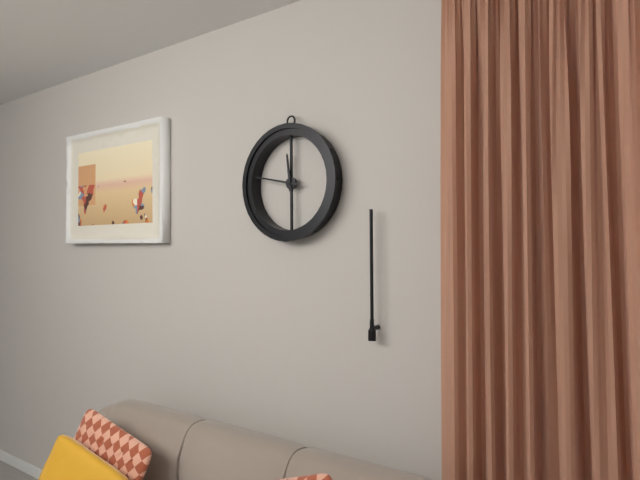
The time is 11h47
